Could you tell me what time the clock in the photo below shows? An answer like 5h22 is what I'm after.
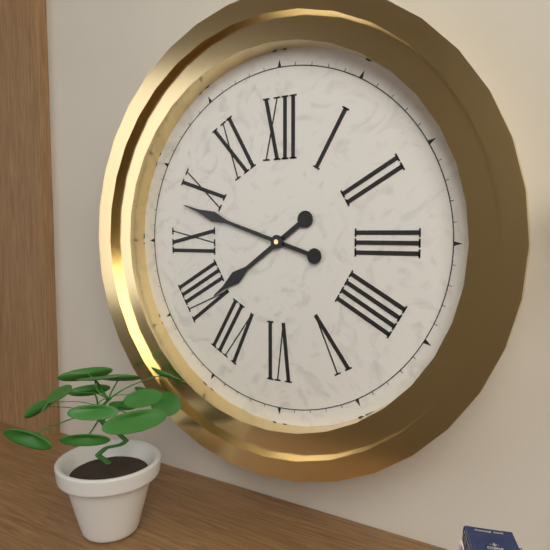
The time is 7h48
